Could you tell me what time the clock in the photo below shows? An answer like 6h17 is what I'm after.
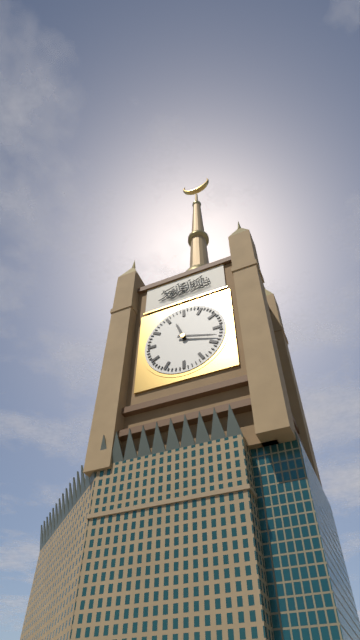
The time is 11h18
